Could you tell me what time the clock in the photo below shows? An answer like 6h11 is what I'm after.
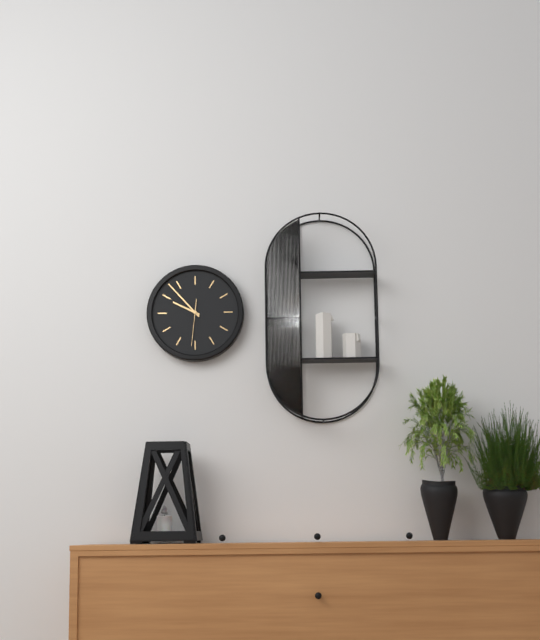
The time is 9h53
